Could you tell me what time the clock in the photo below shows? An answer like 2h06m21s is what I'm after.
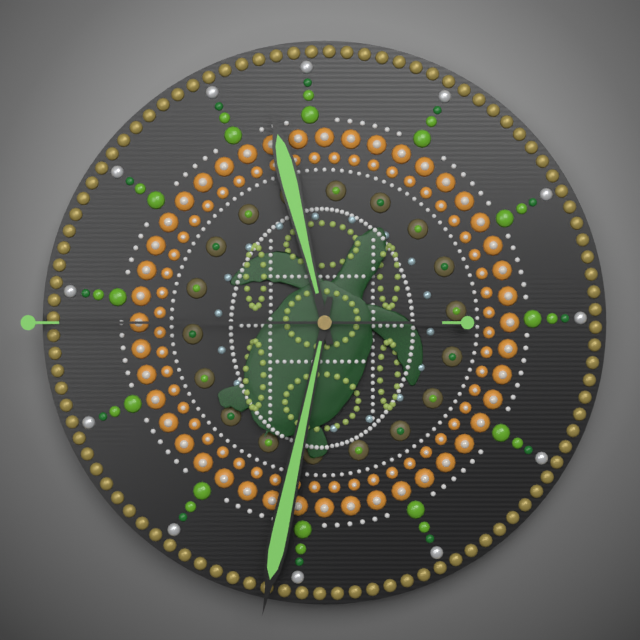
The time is 11h32m45s
